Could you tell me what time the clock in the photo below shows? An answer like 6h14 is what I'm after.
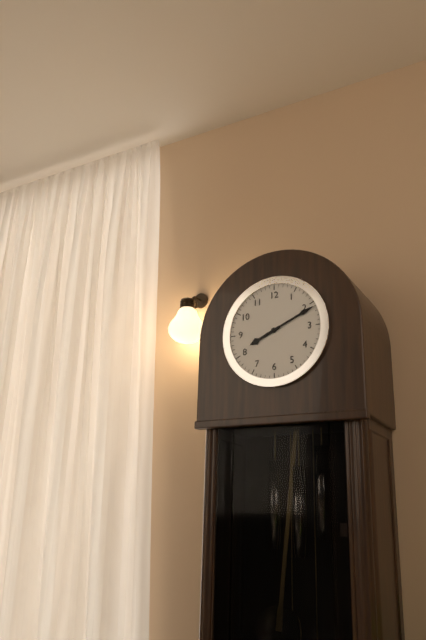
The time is 8h11
